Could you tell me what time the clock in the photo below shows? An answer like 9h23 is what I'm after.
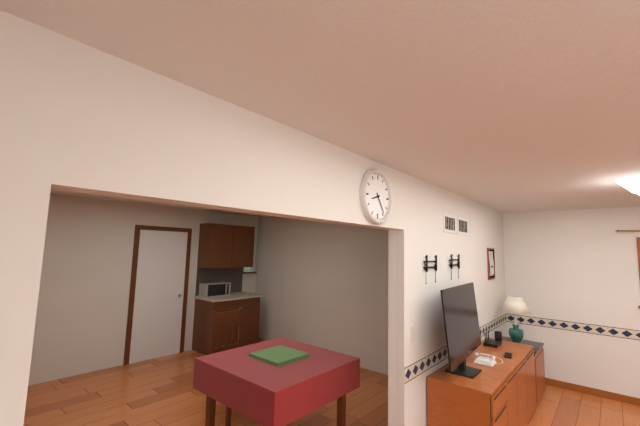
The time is 8h24
